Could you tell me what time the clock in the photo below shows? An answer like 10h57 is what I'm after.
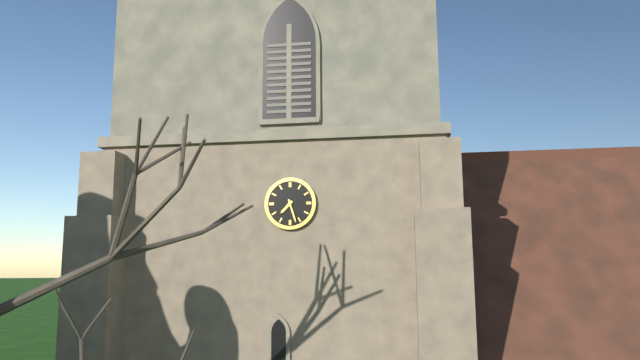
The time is 7h27
